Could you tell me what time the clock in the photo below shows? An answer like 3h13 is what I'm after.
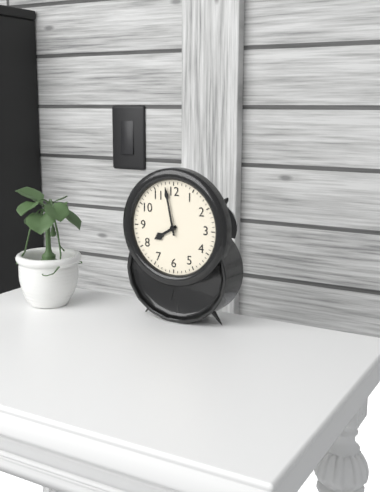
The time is 7h58
